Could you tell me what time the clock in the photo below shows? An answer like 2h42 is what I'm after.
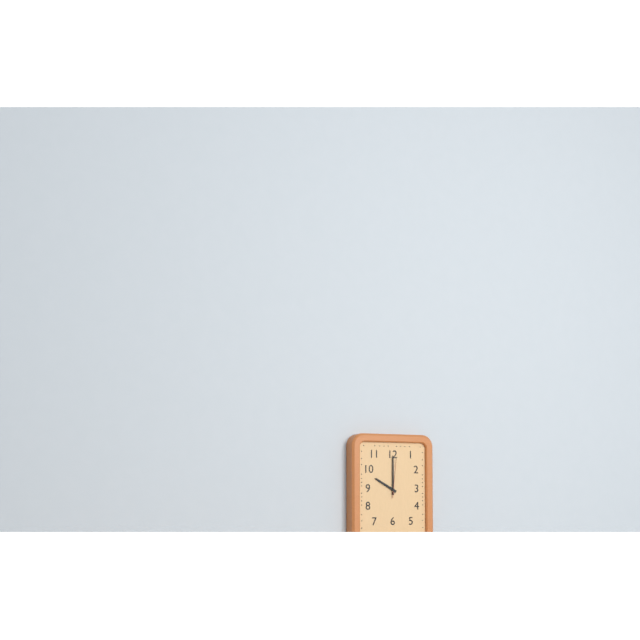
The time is 10h00
